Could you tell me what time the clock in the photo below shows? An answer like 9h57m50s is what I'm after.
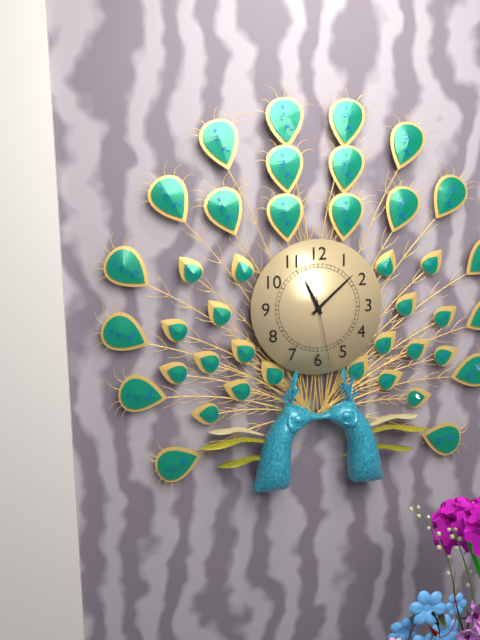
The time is 11h08m28s
